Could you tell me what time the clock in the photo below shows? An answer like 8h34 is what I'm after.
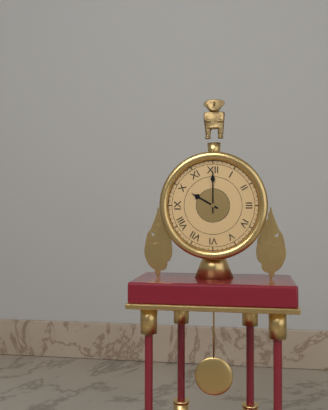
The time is 10h00
